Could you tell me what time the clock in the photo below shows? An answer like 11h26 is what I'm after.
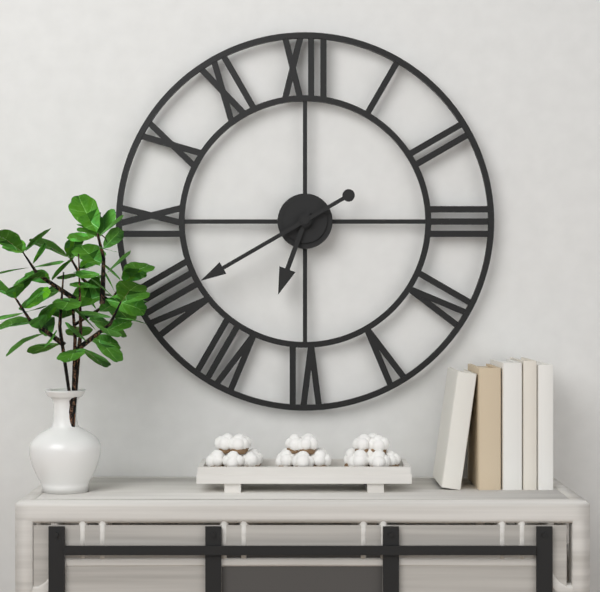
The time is 6h40
